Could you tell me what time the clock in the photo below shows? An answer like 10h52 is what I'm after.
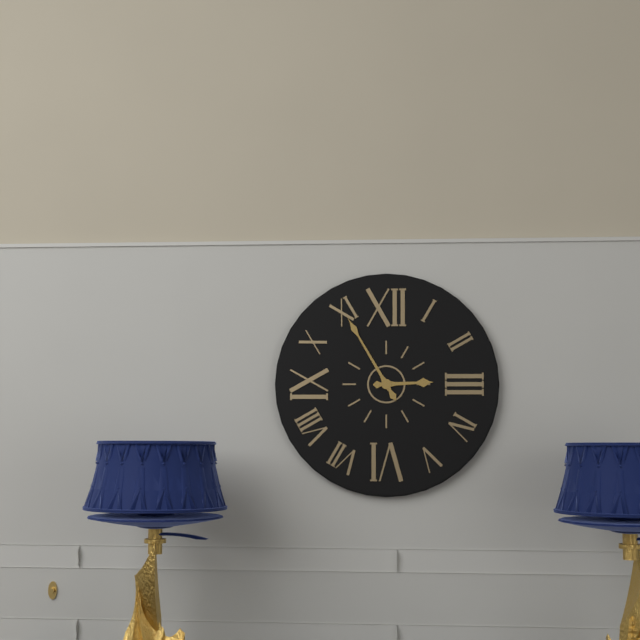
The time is 2h55
